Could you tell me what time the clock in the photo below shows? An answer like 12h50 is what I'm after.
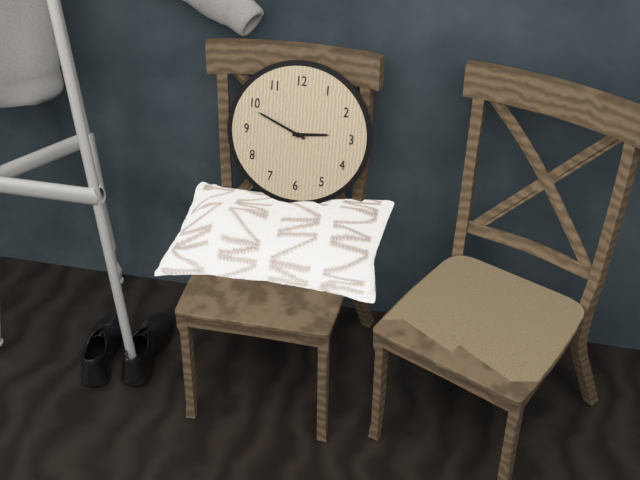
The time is 2h49
